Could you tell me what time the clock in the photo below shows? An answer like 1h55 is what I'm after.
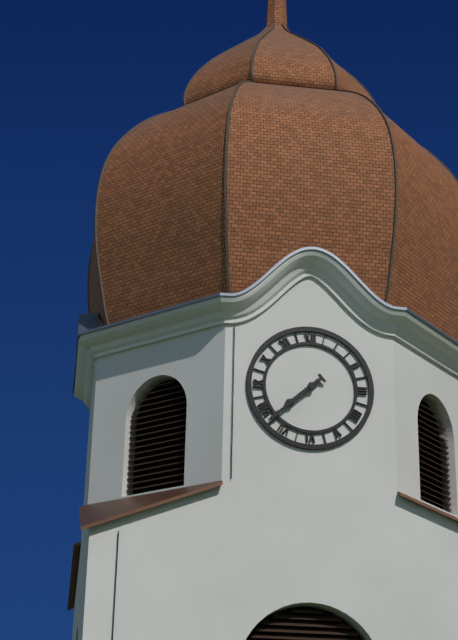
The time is 7h38
